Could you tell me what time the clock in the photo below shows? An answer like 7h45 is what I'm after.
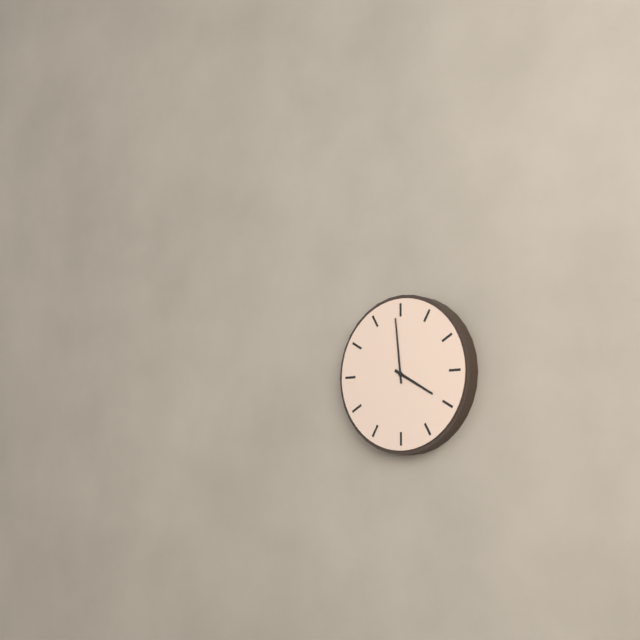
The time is 3h59
